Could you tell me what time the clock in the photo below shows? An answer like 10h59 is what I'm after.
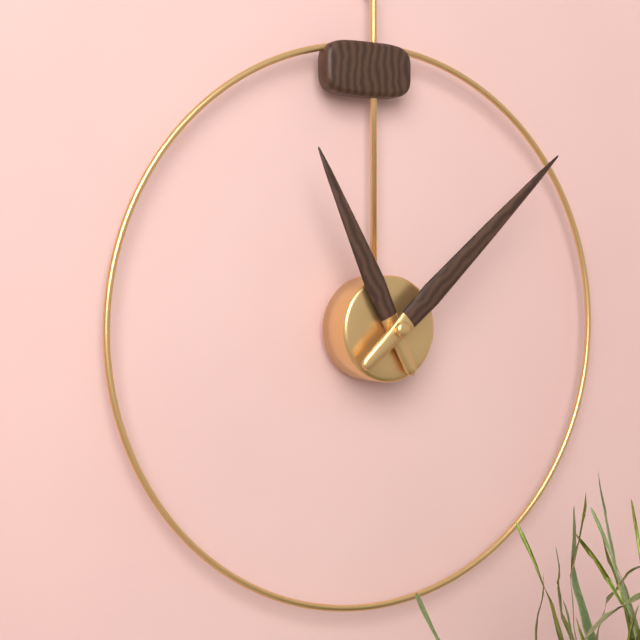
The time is 11h08
